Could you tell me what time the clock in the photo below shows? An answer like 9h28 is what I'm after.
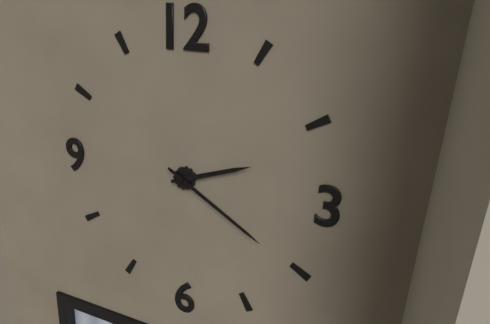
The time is 2h20
